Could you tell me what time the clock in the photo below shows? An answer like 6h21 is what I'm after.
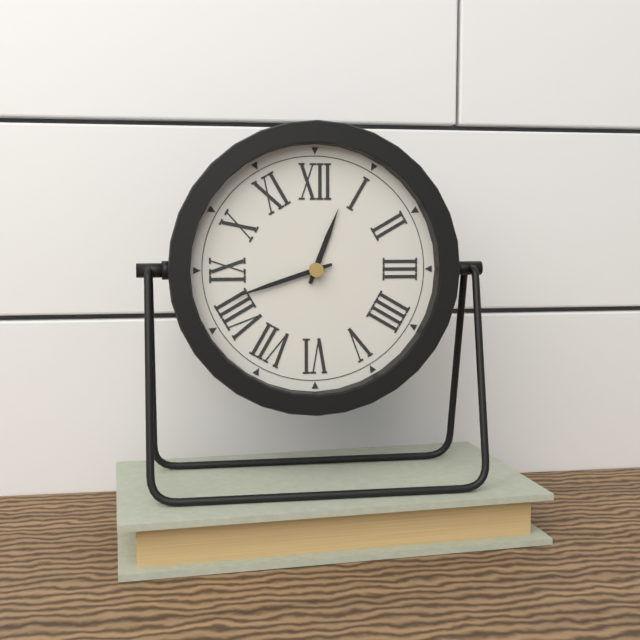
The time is 12h42
